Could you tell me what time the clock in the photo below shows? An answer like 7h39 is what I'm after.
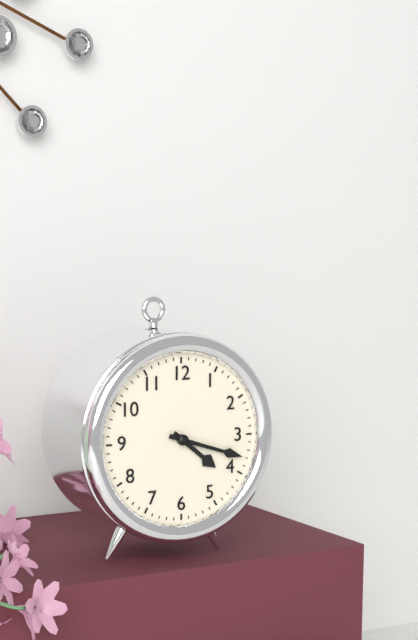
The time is 4h18
